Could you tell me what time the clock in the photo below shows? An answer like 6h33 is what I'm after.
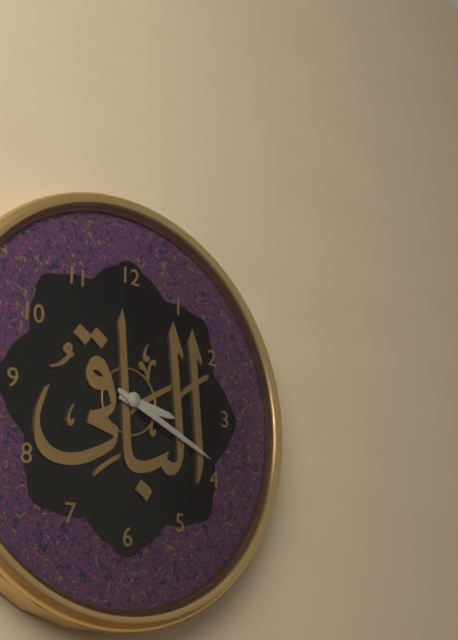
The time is 3h19
